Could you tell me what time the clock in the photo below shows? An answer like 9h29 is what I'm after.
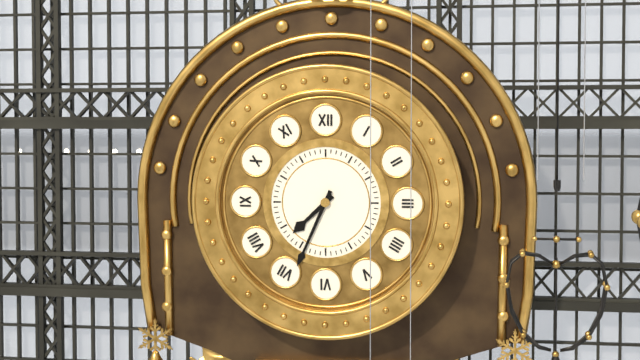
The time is 7h34
